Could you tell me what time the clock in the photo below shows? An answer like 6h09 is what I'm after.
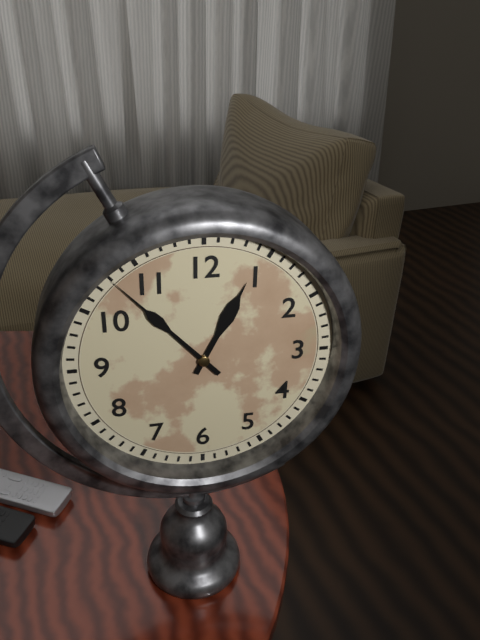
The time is 12h53
